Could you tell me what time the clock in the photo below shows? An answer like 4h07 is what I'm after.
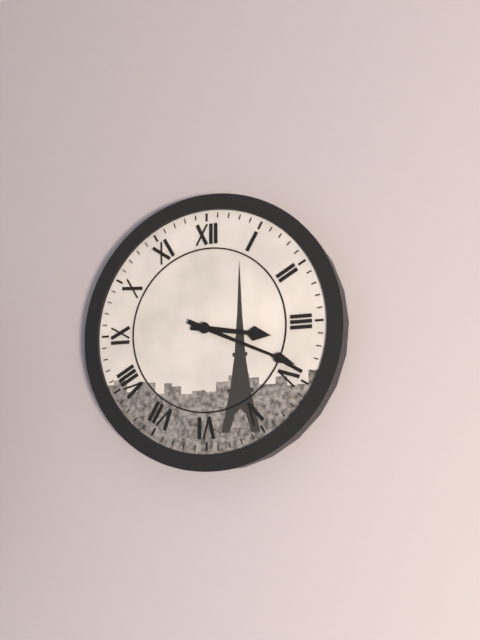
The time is 3h19
